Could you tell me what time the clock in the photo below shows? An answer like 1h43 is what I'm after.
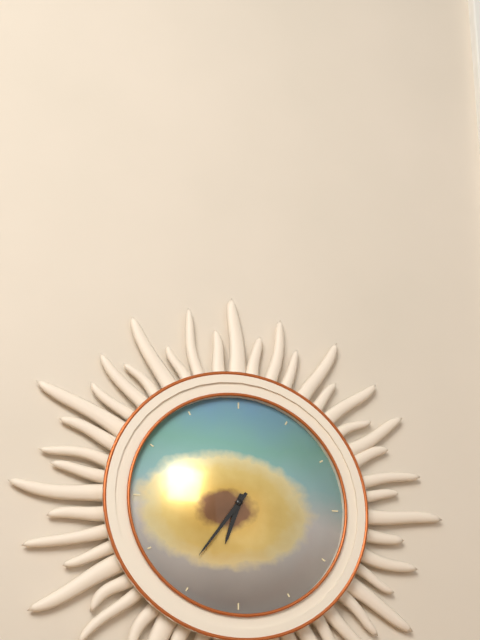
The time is 6h36
